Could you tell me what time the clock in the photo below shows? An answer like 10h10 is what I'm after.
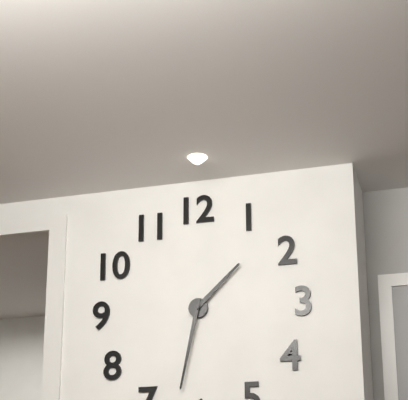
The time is 1h32
